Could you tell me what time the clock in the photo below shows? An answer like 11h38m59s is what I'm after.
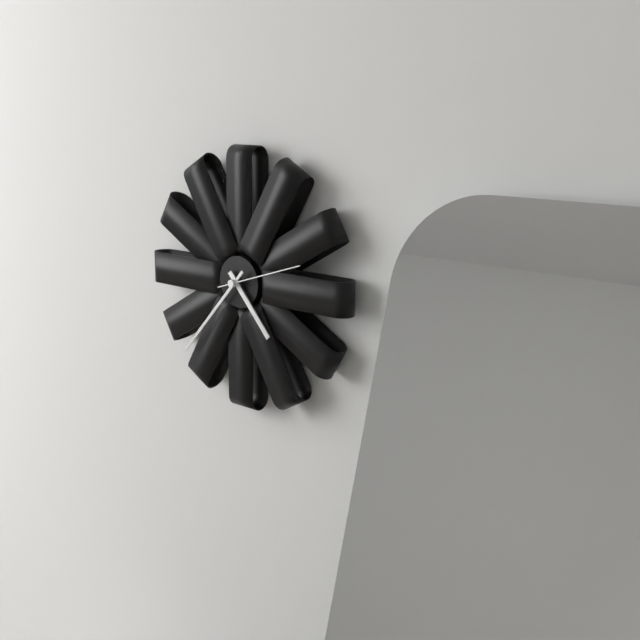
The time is 4h37m12s
